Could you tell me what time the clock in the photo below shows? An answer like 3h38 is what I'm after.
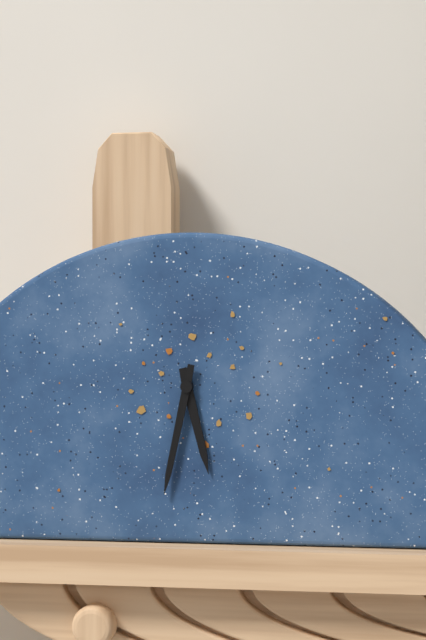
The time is 5h32
